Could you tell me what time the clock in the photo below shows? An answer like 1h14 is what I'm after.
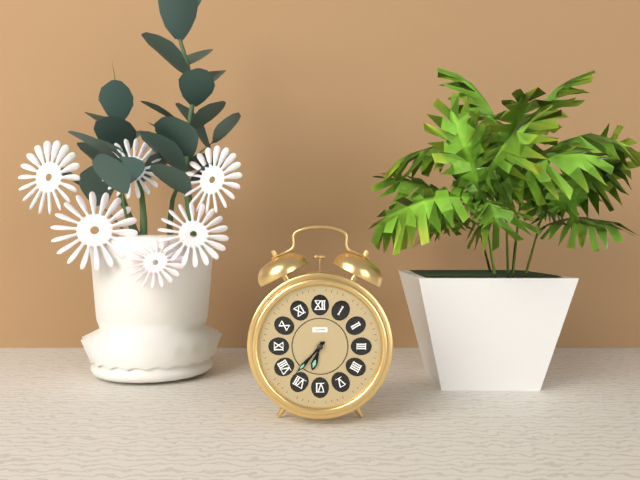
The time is 6h37
